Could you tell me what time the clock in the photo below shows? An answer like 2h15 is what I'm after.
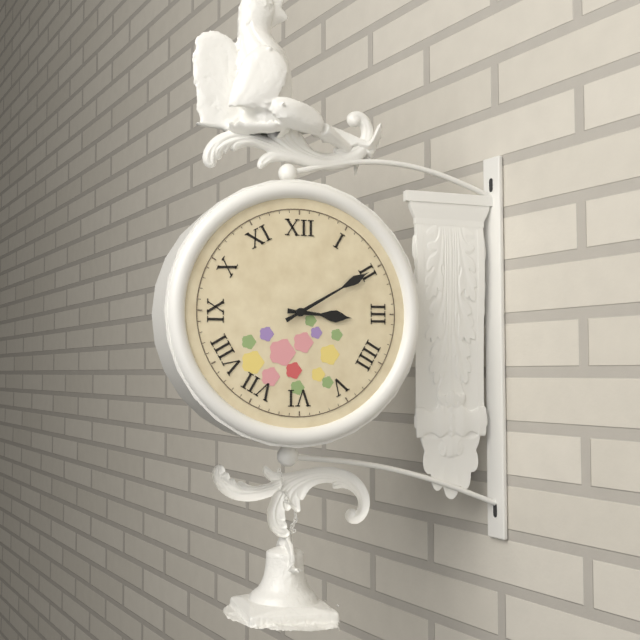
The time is 3h10
